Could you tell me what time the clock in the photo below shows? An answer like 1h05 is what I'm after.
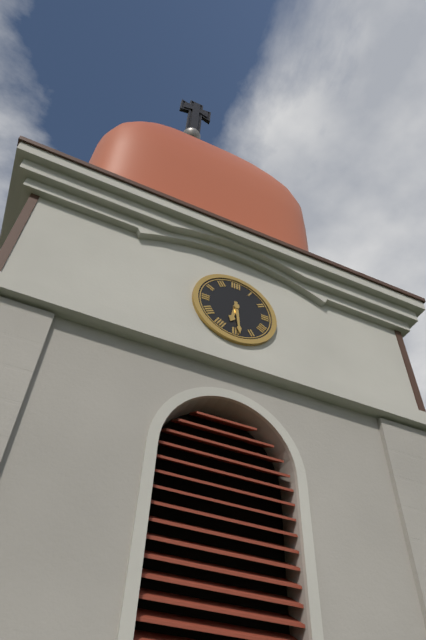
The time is 6h29
